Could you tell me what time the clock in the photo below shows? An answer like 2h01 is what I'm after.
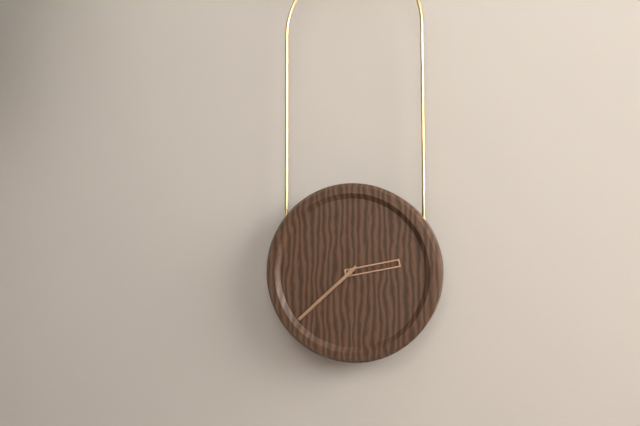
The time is 2h38
